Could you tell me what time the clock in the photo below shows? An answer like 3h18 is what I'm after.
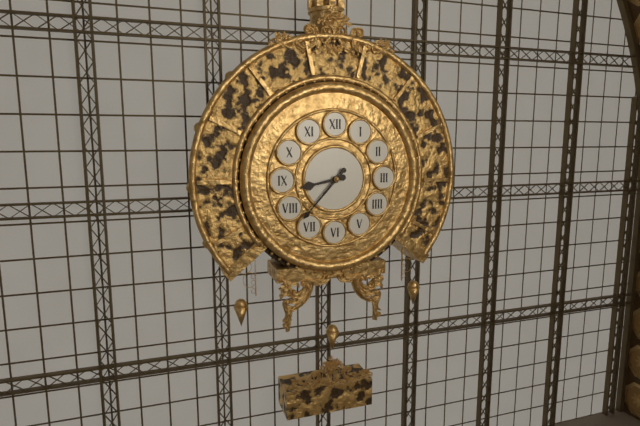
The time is 8h37
